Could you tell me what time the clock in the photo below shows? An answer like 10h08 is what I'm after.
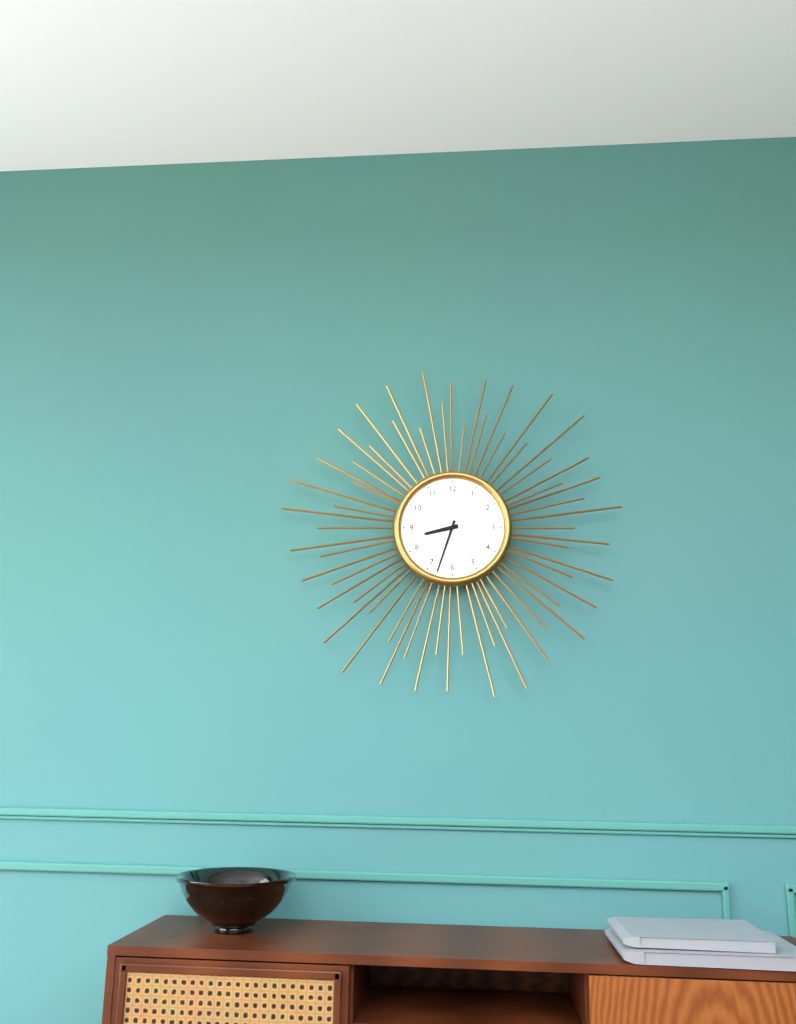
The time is 8h33
